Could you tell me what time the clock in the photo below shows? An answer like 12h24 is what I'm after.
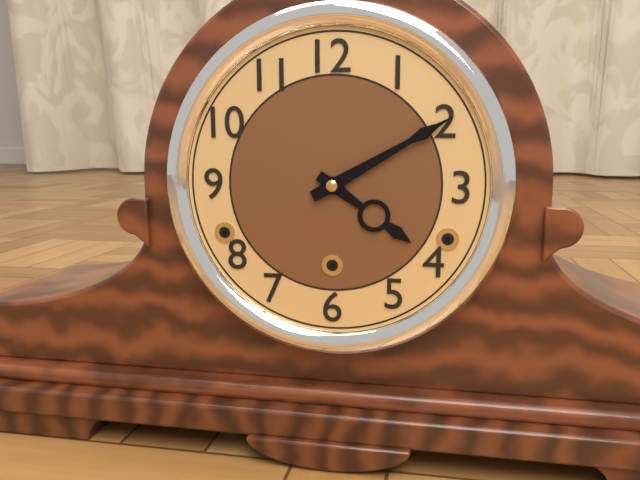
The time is 4h10
